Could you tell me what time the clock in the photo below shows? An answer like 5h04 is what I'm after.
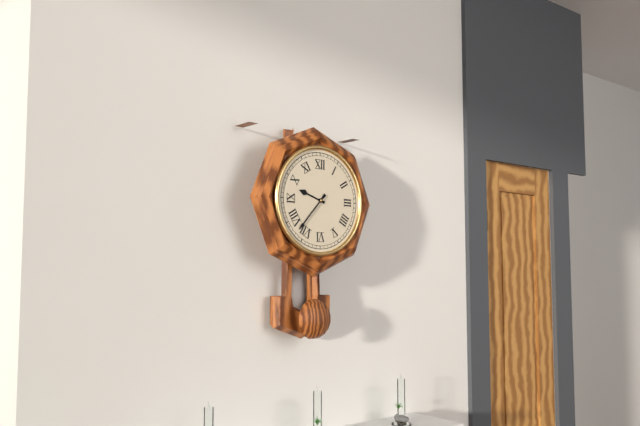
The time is 9h37
